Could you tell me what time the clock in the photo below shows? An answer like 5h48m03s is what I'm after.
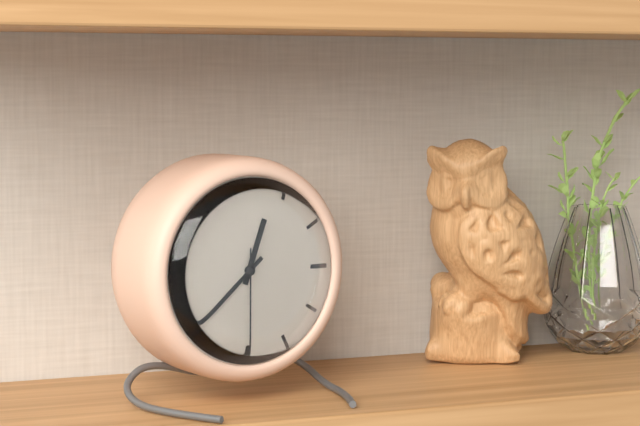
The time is 12h38m30s
